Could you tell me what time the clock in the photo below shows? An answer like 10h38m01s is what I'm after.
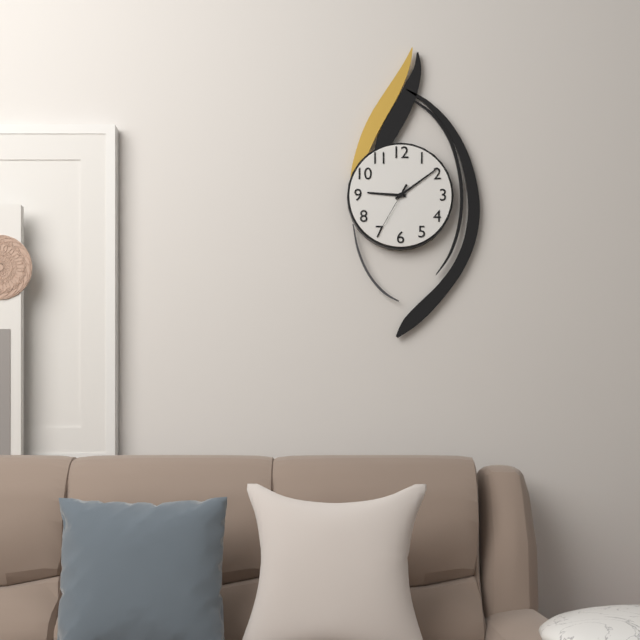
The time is 9h09m35s
